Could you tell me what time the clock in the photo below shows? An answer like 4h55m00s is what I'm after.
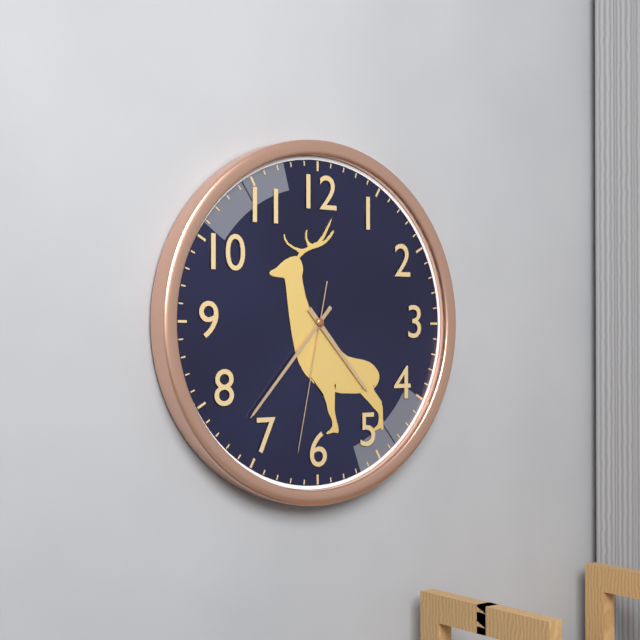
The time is 4h37m32s
